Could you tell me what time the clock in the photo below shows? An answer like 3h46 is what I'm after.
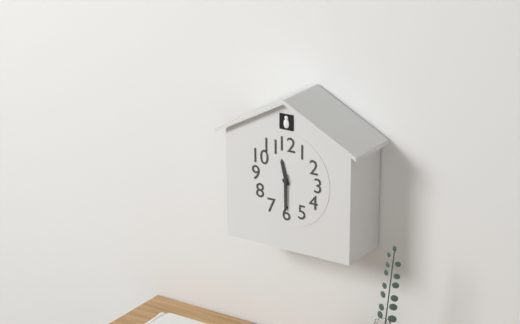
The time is 11h30
